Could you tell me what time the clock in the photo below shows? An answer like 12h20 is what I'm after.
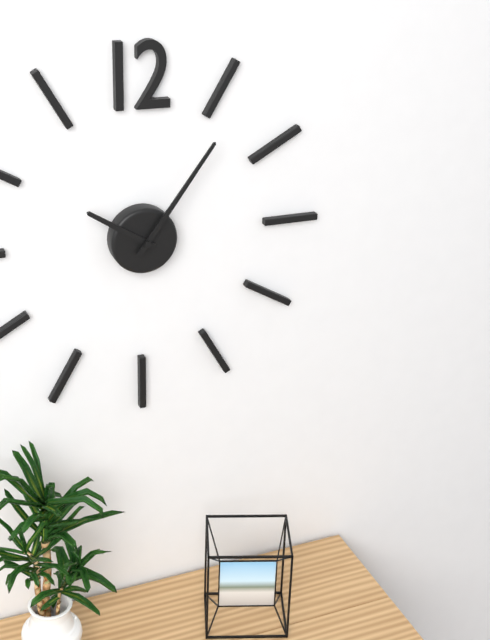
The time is 10h06
